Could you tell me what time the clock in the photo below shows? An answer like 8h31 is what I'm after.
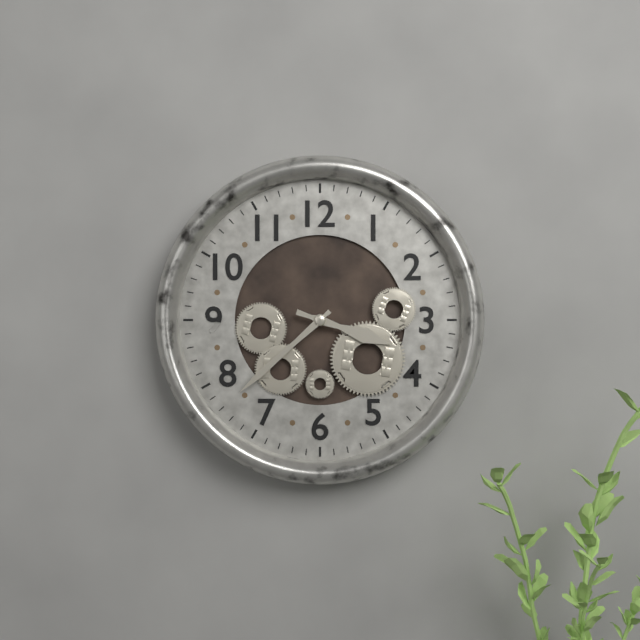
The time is 3h38
